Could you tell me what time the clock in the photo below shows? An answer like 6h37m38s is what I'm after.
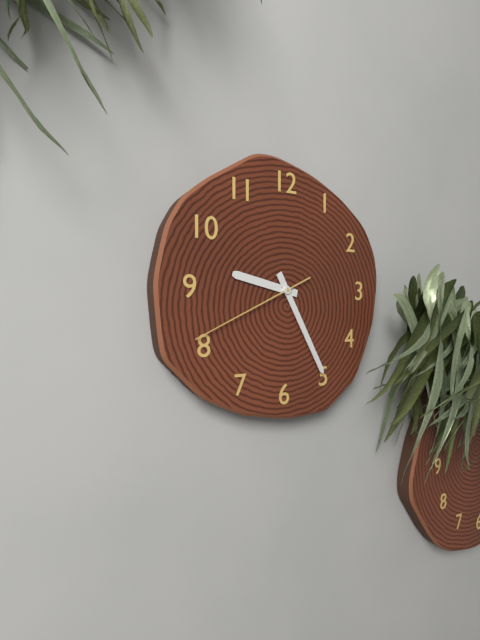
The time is 9h25m41s
